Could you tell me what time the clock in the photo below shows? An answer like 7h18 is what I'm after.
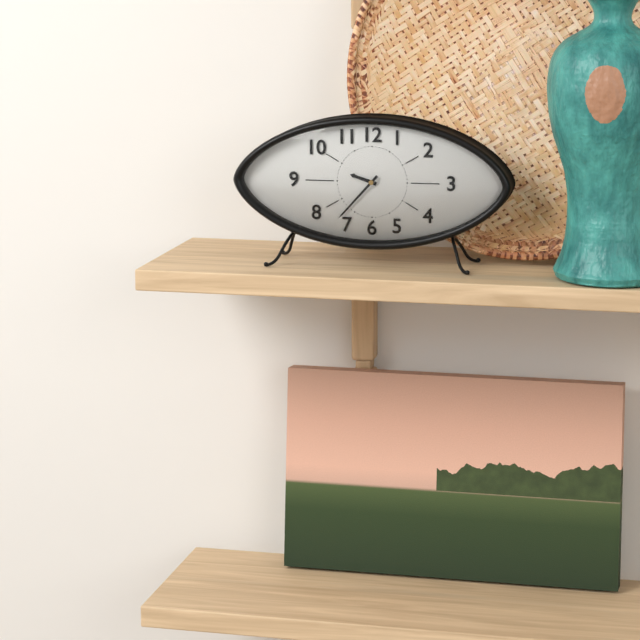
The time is 9h37
